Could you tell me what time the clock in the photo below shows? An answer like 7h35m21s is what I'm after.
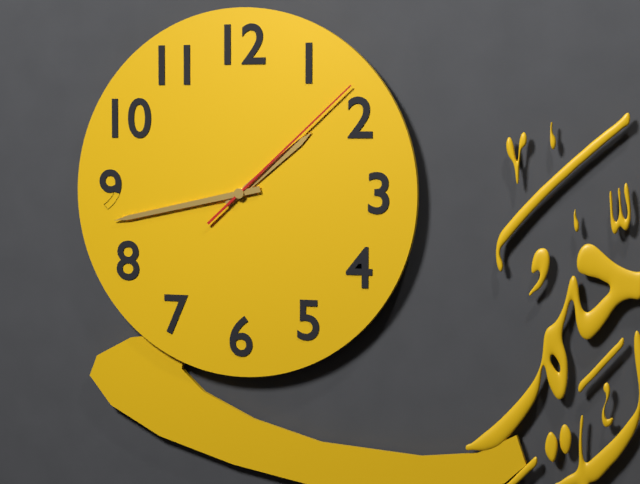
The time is 1h43m08s
